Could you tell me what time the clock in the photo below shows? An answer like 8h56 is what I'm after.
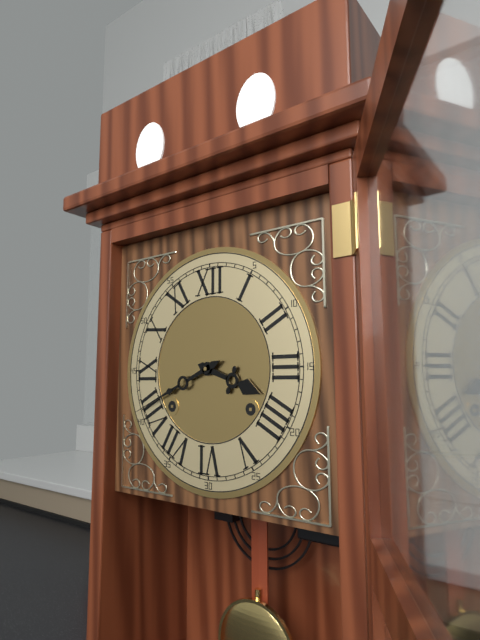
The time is 3h41
